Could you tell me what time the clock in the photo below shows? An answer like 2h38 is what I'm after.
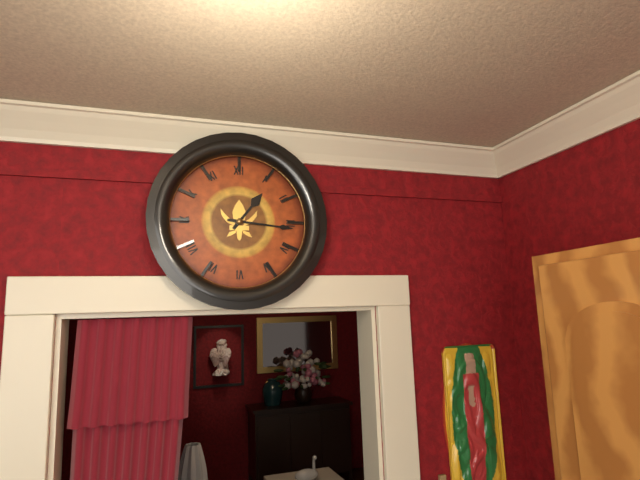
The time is 1h16
